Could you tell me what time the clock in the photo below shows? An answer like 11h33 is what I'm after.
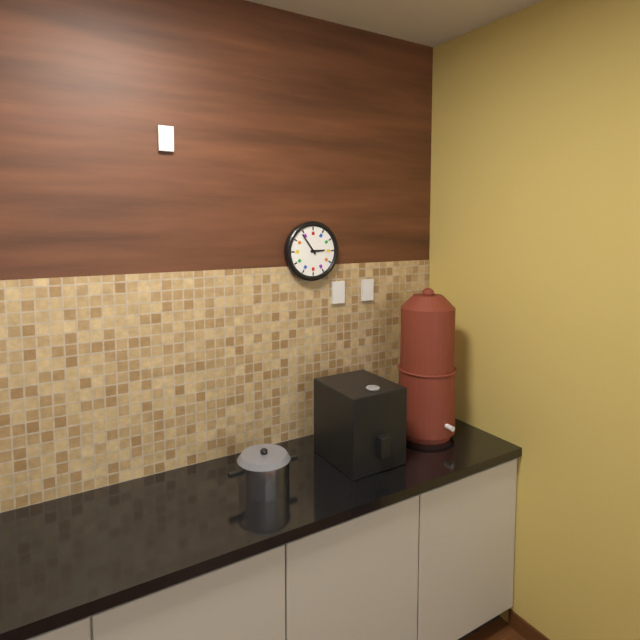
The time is 2h54
